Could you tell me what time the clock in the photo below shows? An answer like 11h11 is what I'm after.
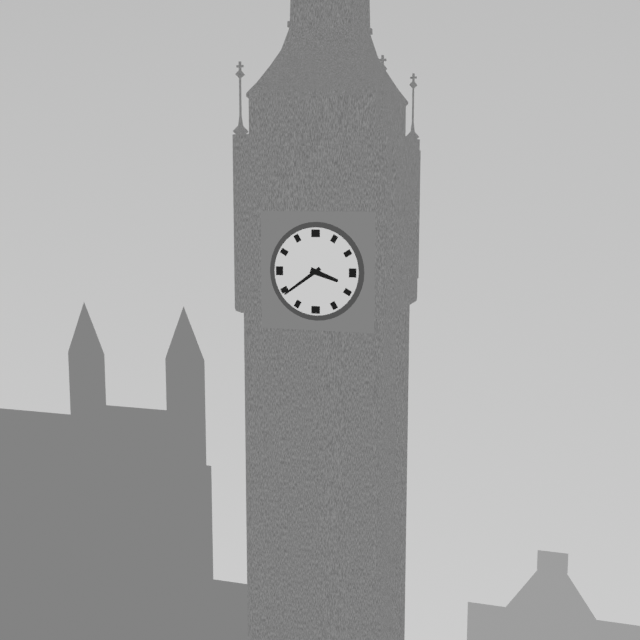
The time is 3h39
